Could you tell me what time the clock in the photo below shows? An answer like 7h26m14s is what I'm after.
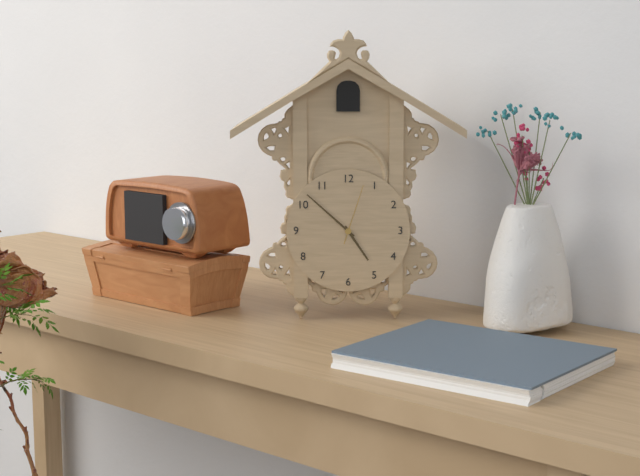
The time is 4h52m03s
